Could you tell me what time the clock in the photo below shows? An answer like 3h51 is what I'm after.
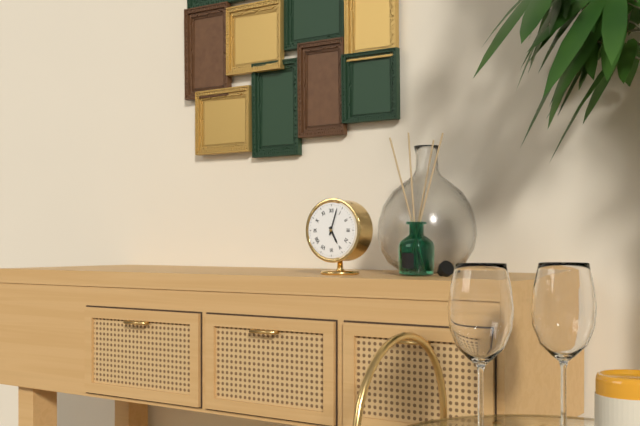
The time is 5h03
